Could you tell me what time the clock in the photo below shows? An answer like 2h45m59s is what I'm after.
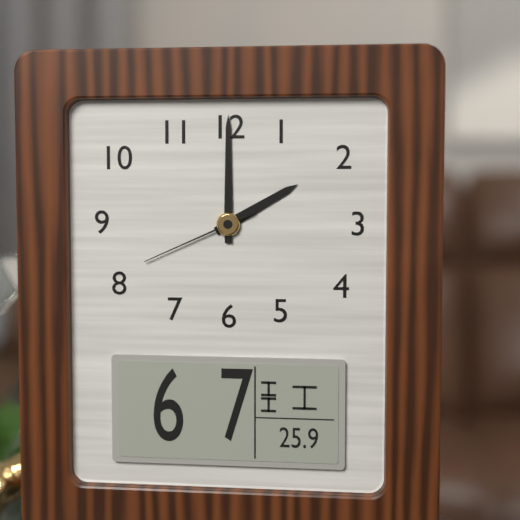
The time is 2h00m41s
